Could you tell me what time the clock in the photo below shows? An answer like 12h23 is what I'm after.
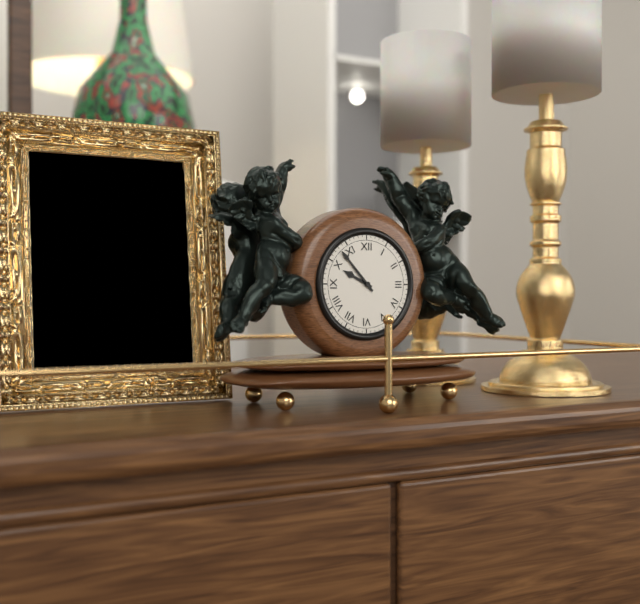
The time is 9h53
